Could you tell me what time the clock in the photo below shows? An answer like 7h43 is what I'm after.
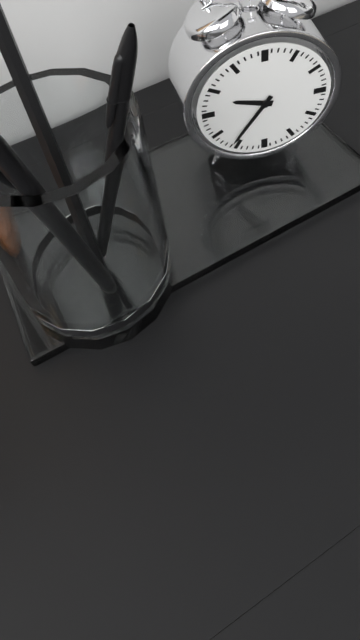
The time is 9h36
